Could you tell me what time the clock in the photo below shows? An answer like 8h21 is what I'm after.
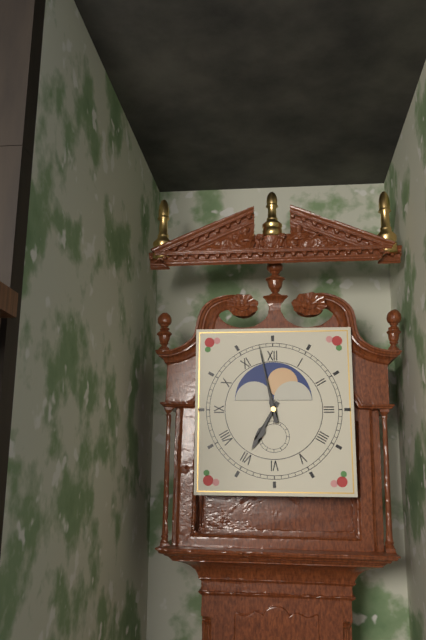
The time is 6h58
